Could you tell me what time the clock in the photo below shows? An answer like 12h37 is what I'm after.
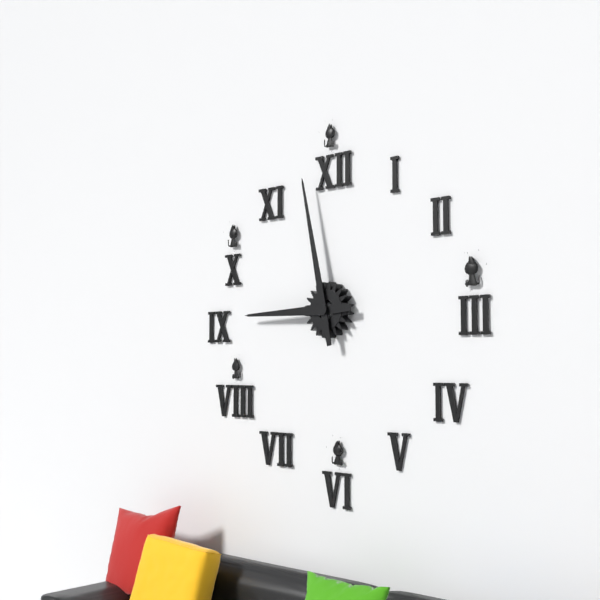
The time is 8h58
